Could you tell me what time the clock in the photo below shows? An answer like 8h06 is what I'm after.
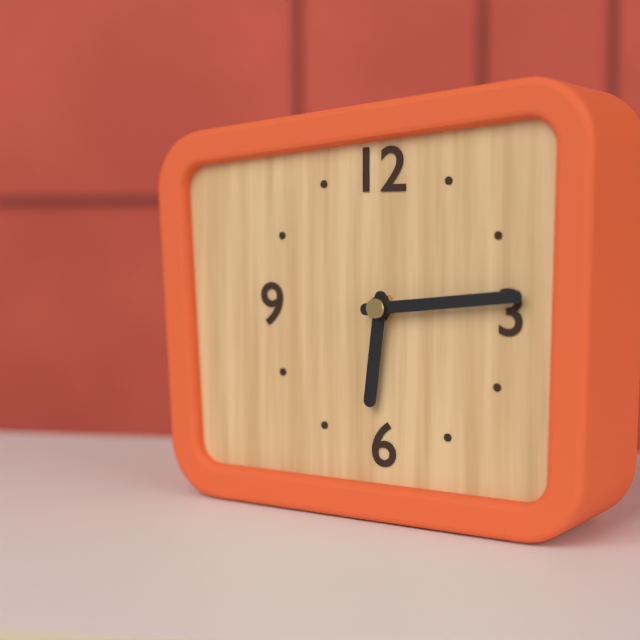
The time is 6h14
